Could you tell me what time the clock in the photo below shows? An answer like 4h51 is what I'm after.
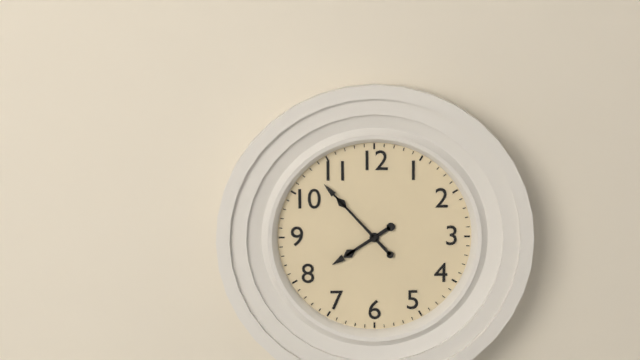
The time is 7h53
